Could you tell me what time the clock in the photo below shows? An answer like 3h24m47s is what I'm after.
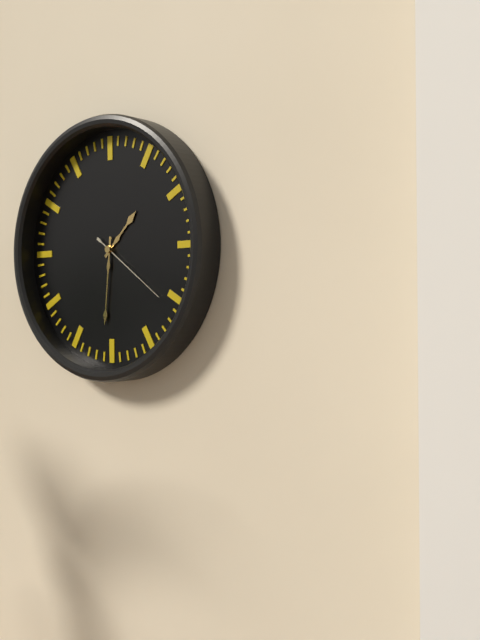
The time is 1h31m21s
